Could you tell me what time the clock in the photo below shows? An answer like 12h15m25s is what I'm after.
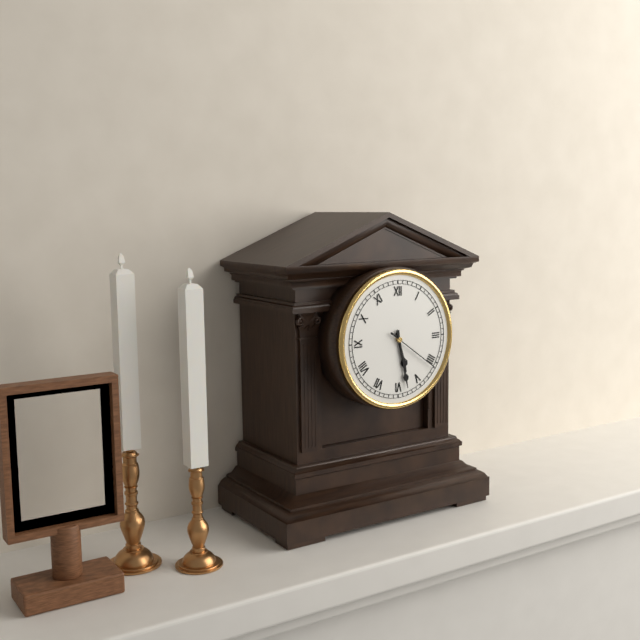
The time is 5h28m21s
